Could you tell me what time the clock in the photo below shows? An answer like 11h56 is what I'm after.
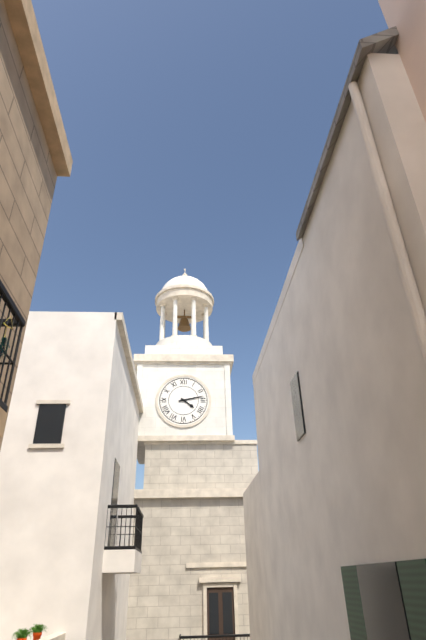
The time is 4h13
